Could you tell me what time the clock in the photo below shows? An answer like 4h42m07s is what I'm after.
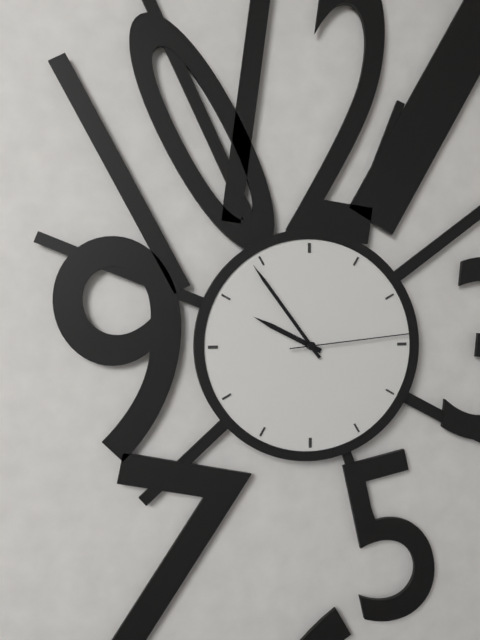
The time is 9h54m14s
